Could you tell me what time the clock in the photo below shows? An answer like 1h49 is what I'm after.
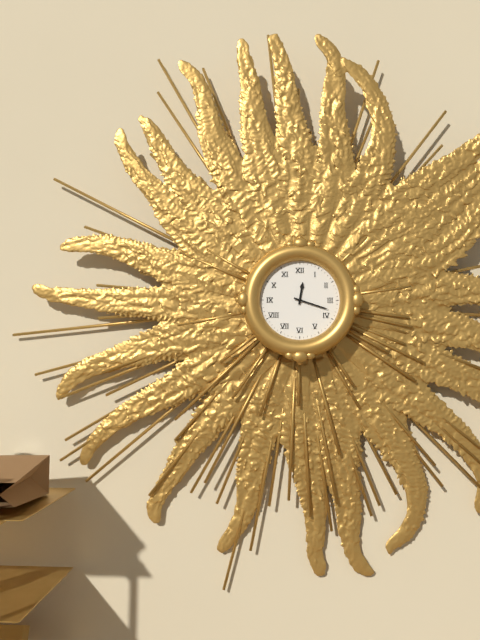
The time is 12h18
